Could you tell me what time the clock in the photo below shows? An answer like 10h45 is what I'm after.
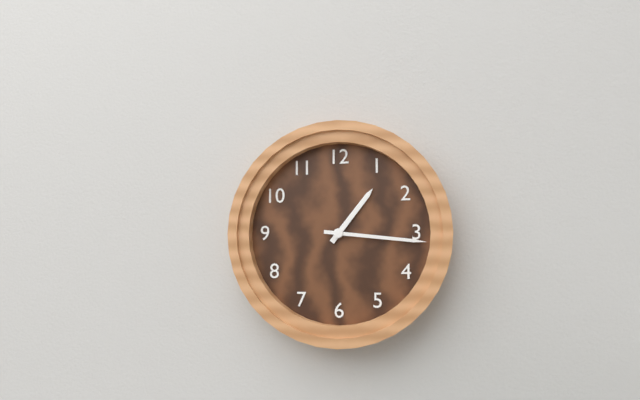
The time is 1h16
